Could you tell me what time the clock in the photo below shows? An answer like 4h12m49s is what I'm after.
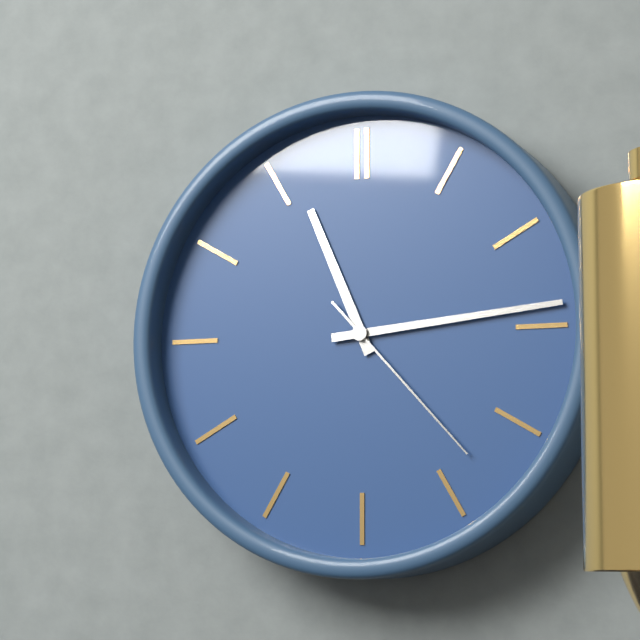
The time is 11h14m23s
